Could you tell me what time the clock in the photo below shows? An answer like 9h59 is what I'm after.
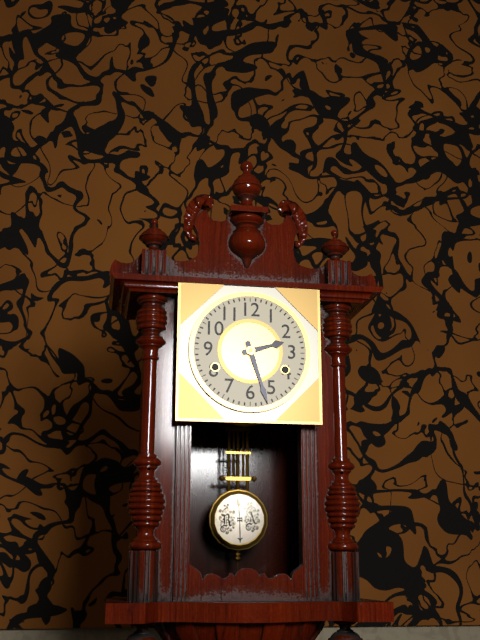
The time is 2h27
